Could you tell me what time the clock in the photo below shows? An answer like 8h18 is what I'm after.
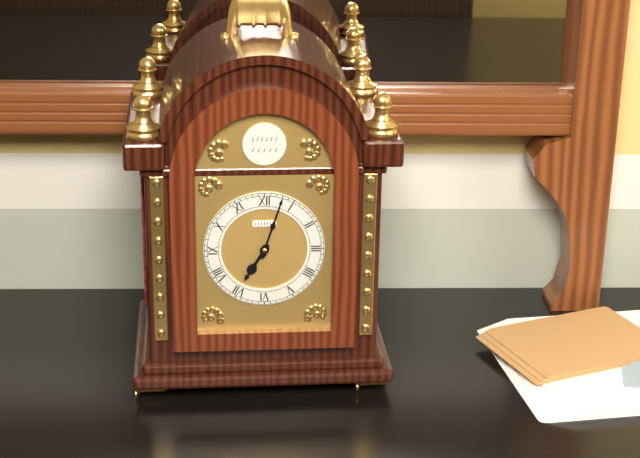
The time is 7h03
